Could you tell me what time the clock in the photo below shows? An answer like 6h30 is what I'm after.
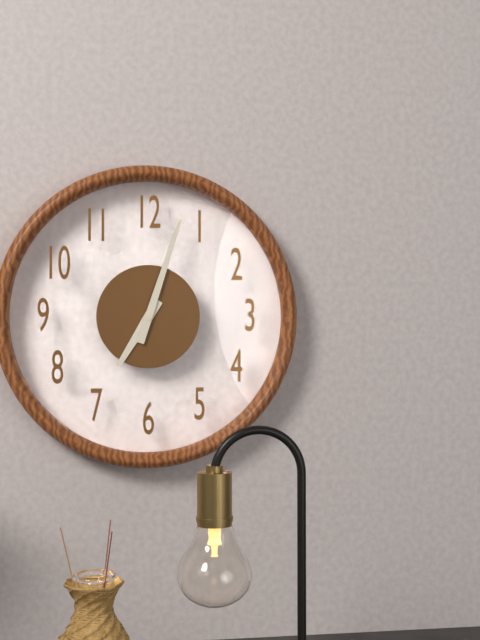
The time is 7h03
